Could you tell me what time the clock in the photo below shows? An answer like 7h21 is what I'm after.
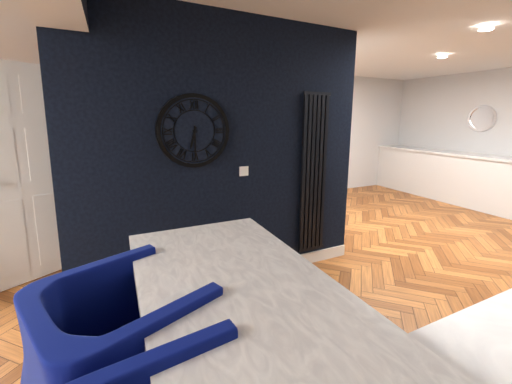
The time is 6h30
